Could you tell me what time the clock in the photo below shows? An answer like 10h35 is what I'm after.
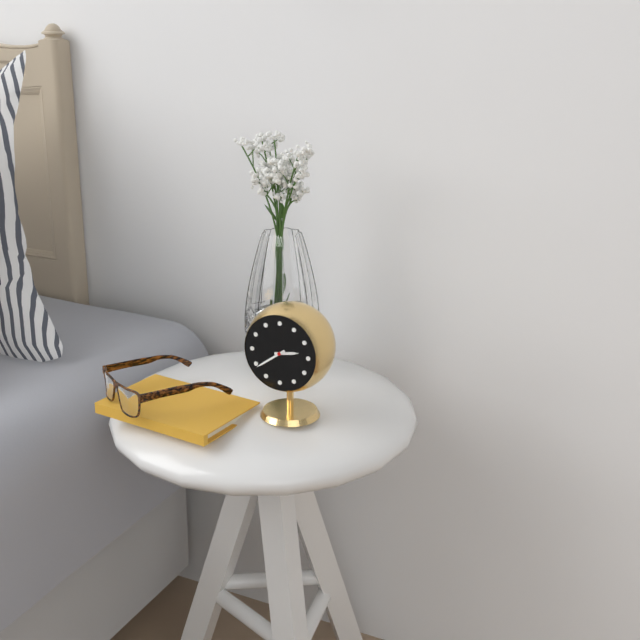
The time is 2h39
